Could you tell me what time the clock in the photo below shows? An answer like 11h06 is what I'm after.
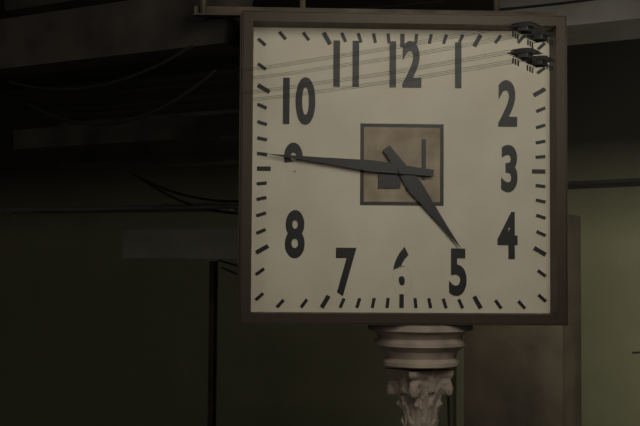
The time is 4h46
